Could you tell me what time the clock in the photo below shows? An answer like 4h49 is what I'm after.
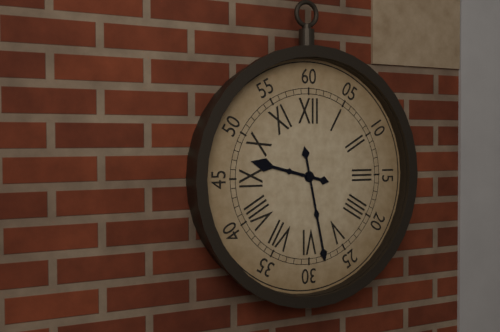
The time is 9h28
